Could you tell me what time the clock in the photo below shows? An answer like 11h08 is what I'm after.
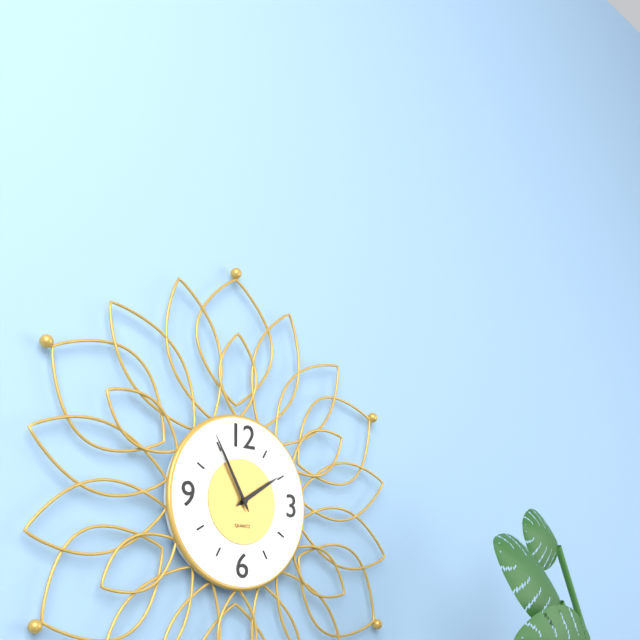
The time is 1h55
